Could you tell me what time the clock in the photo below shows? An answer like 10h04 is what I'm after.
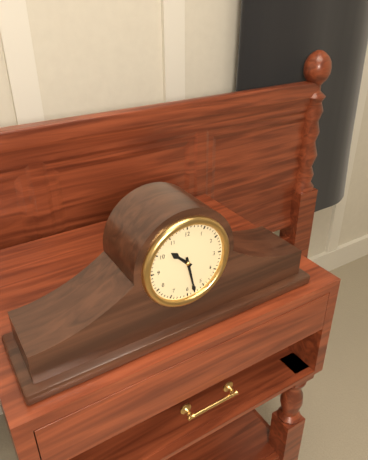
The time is 10h28
